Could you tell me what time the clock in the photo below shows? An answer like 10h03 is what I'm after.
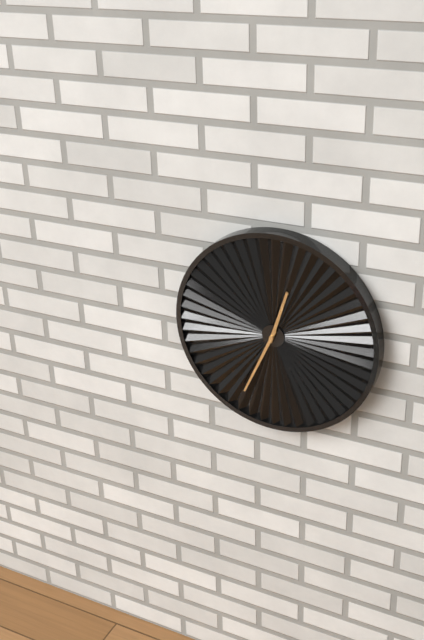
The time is 12h34
